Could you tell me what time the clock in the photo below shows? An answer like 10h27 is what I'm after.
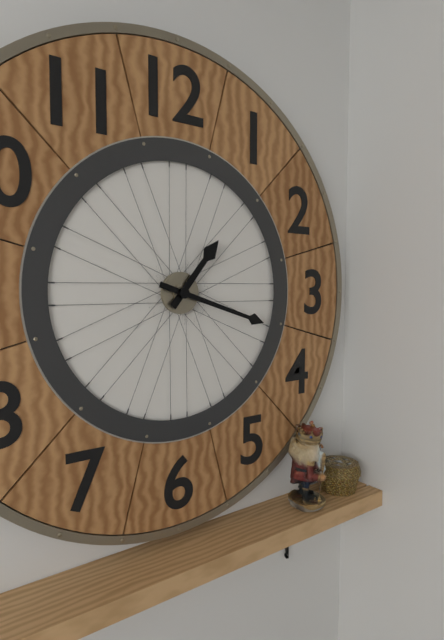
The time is 1h18
